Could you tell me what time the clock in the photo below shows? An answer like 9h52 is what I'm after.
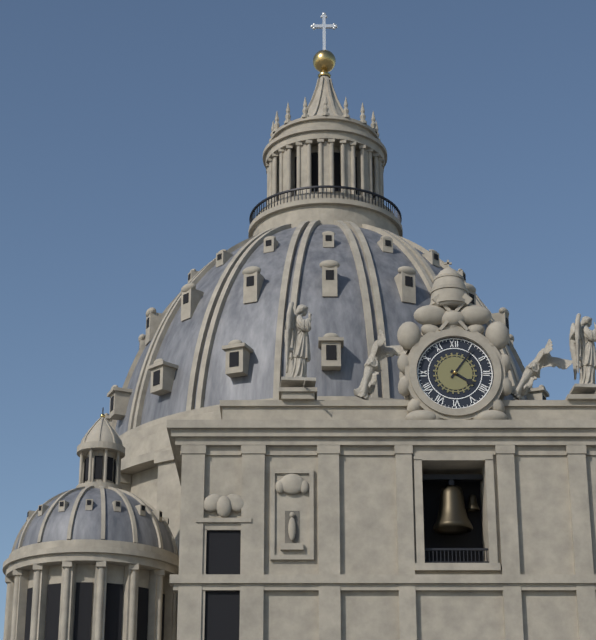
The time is 4h06
